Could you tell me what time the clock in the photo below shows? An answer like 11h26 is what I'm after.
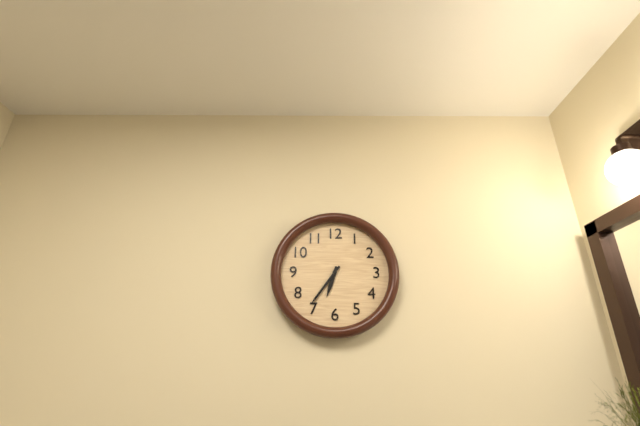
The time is 6h36
